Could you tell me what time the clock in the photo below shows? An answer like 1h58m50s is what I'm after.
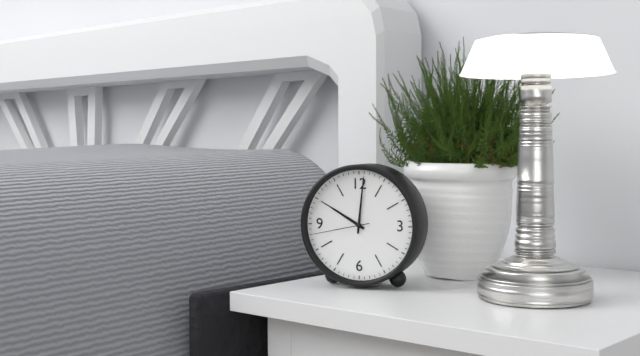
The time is 10h01m43s
